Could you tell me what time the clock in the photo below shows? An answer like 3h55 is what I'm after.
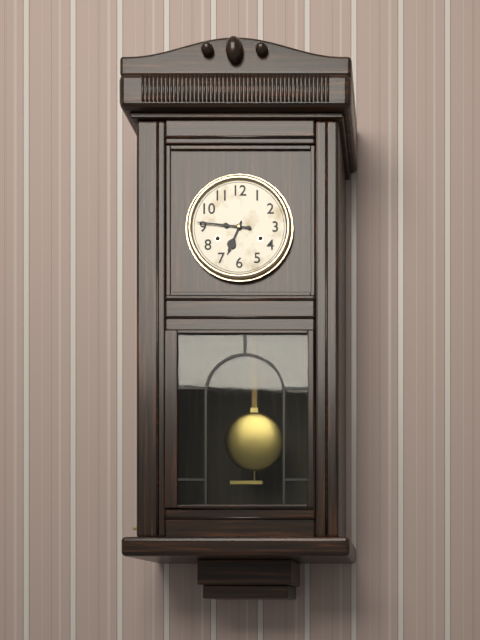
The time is 6h46
